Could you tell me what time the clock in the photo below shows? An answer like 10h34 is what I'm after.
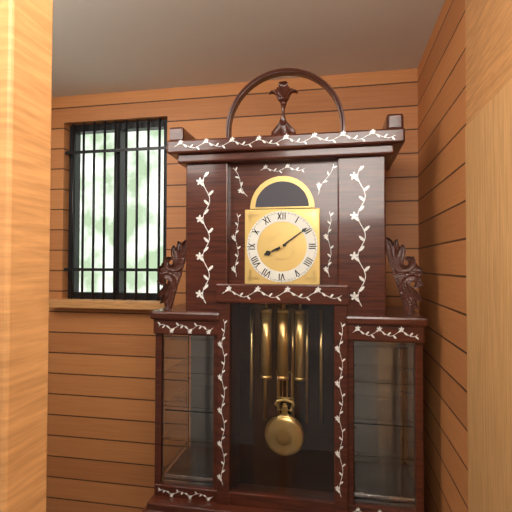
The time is 8h09
